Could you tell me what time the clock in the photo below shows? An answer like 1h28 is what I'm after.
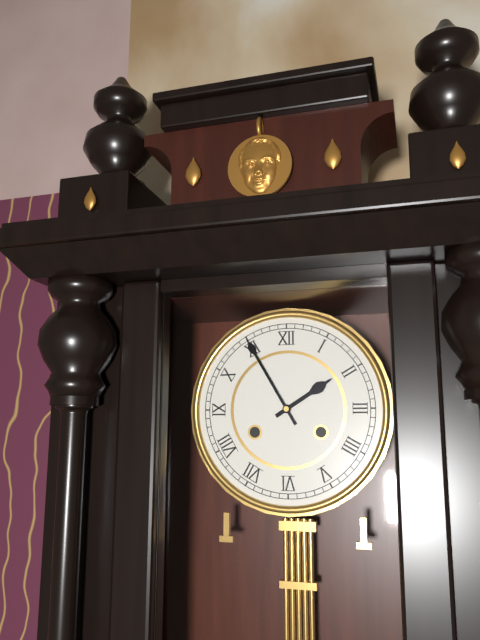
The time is 1h55
